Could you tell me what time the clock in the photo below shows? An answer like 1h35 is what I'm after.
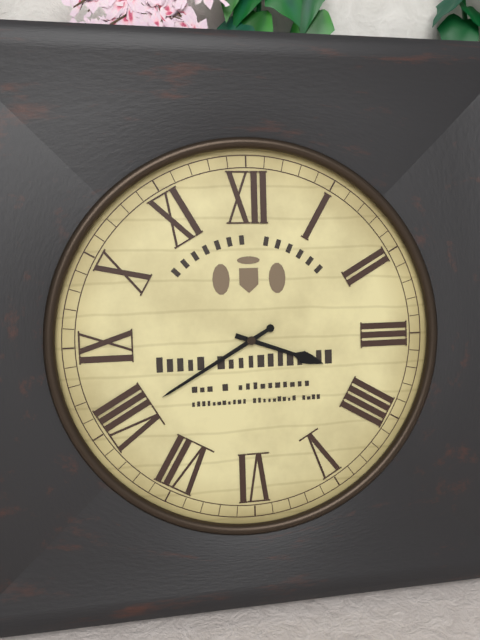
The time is 3h40
